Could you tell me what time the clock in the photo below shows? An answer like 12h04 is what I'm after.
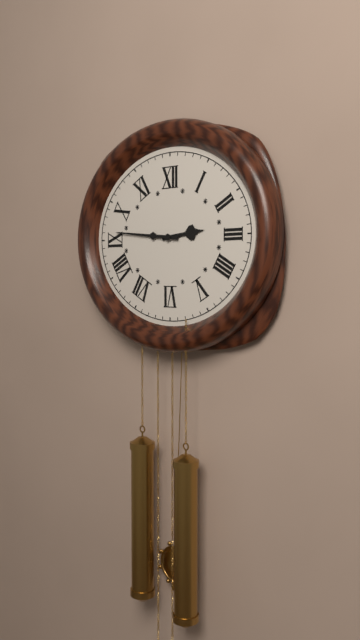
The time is 2h46
